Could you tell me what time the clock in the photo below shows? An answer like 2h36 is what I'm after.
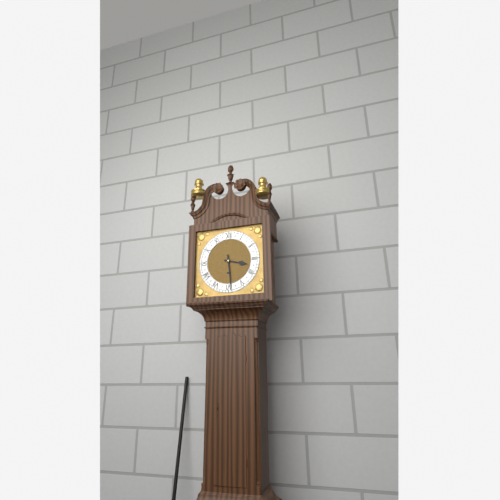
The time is 3h29
